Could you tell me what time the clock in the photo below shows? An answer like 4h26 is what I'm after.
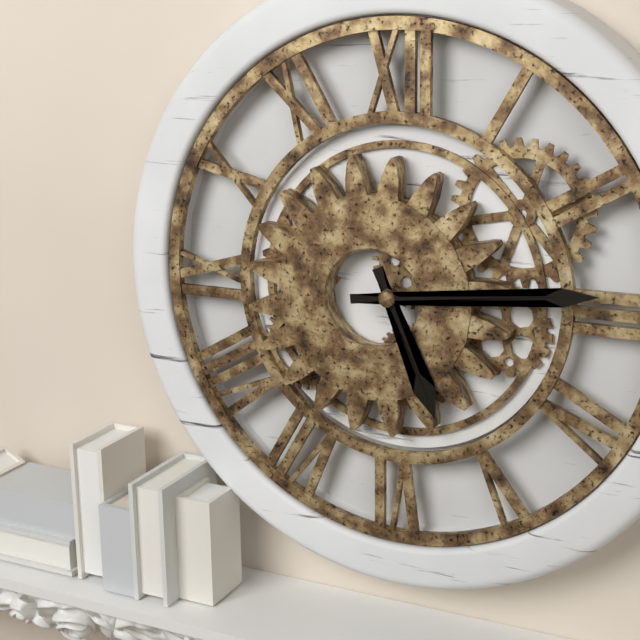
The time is 5h14
